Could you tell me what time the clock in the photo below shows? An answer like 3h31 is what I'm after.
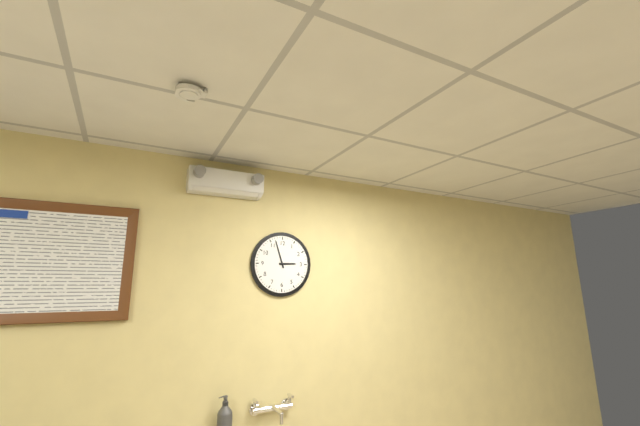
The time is 2h57
